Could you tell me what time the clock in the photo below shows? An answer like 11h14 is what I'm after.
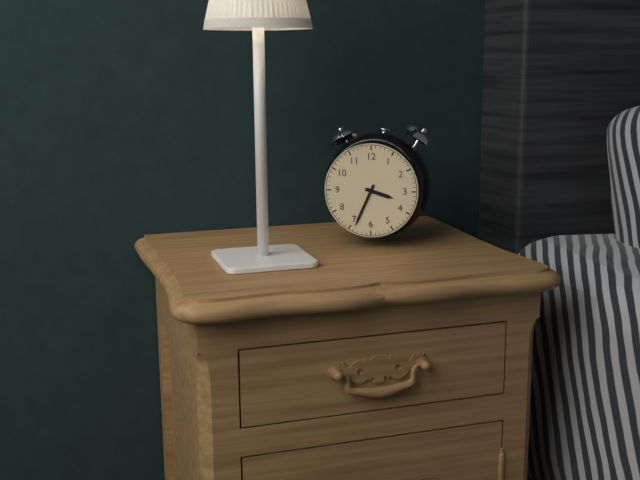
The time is 3h34
